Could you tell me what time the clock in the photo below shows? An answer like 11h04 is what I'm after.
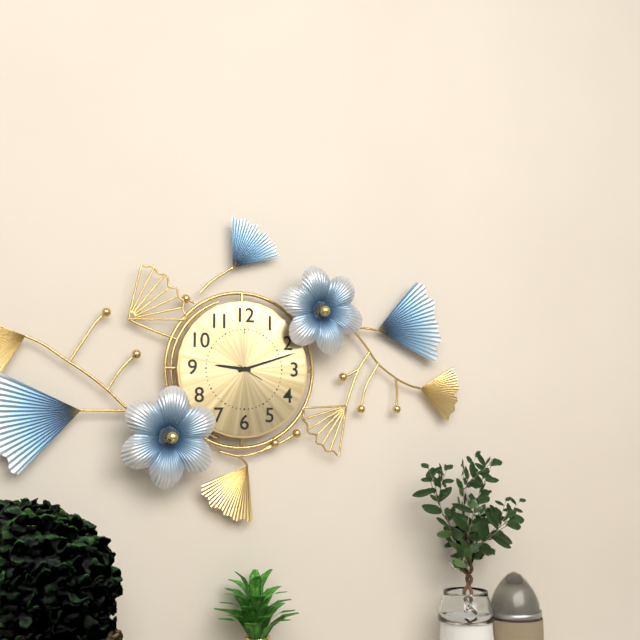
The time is 9h12
